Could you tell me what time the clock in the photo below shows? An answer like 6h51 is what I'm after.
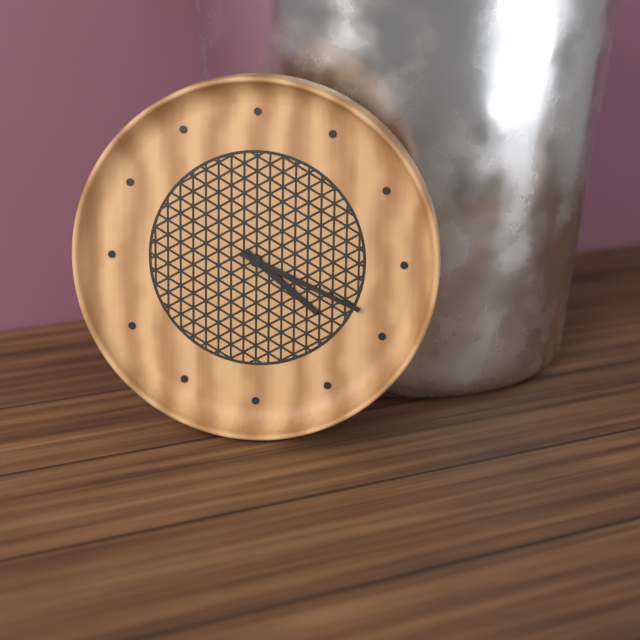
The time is 4h19
